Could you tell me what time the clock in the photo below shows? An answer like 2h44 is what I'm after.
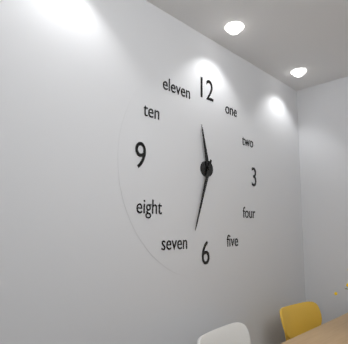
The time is 11h33
